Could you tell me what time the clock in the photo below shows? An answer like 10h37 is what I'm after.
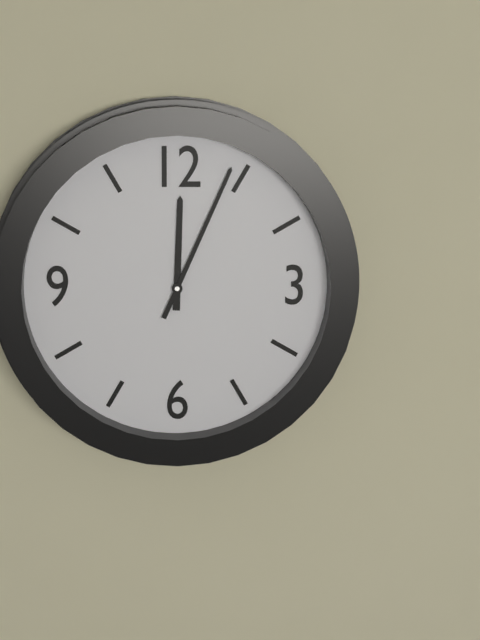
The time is 12h04
